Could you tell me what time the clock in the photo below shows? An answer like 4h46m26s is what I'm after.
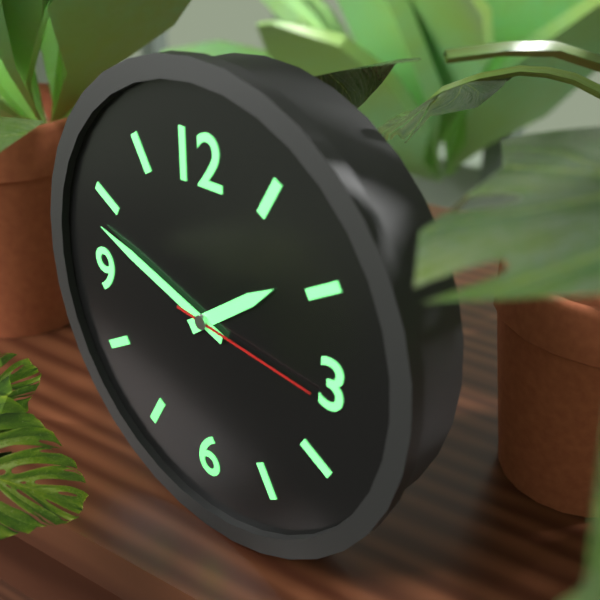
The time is 1h48m16s
